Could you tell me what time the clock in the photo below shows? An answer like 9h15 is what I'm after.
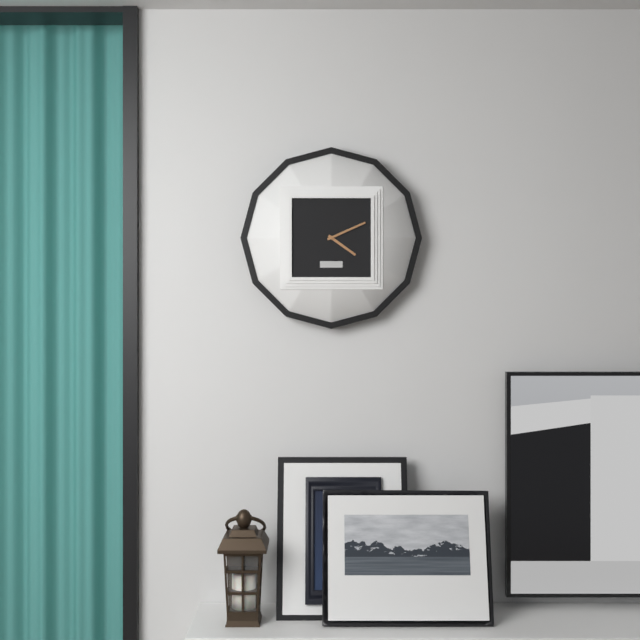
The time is 4h11
